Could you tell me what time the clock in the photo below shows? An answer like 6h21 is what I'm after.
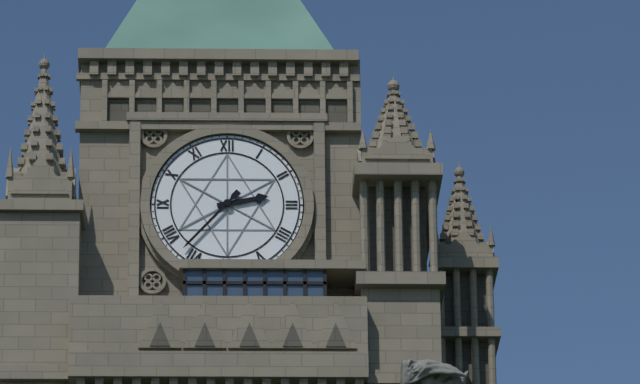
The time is 2h37
